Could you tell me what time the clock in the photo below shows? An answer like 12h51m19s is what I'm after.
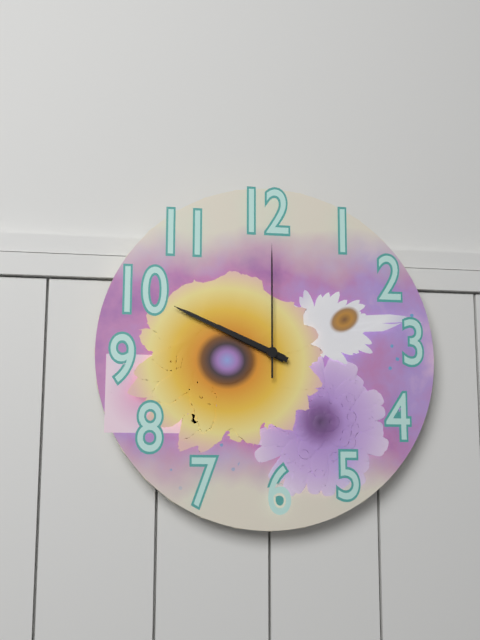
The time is 9h49m00s
